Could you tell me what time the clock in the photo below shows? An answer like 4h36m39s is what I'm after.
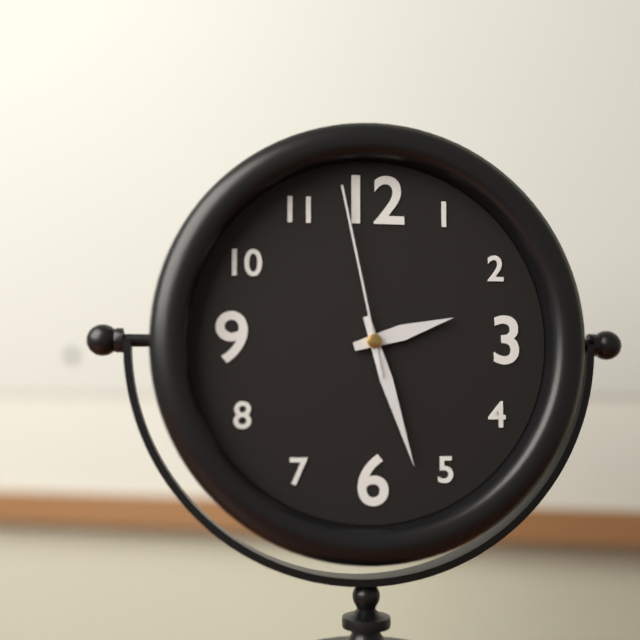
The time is 2h27m58s
